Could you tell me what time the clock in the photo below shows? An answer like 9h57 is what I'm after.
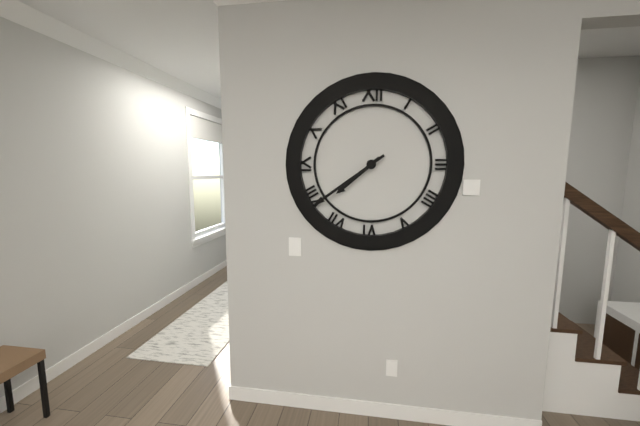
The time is 7h39
